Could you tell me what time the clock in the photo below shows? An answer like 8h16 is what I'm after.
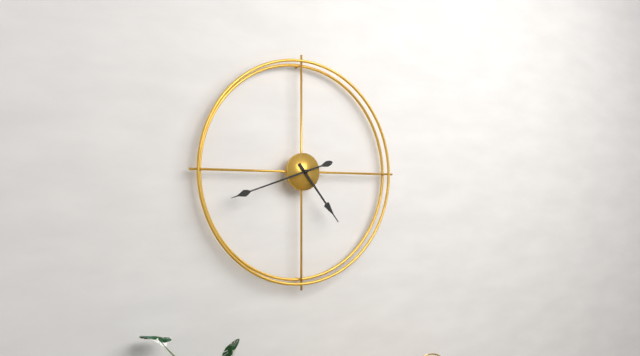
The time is 4h42
